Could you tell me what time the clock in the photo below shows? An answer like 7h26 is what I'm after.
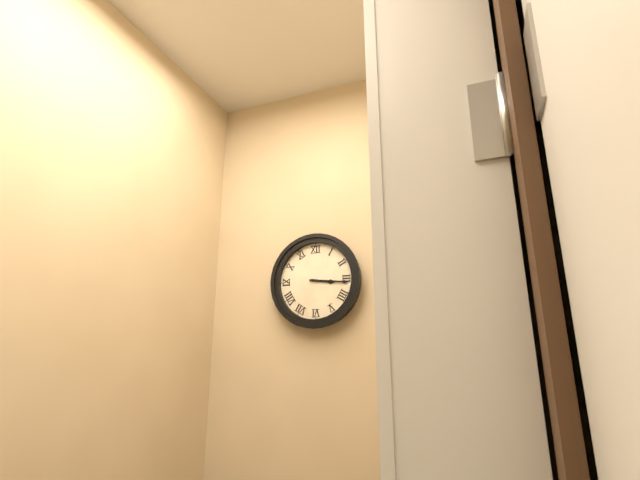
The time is 3h16
